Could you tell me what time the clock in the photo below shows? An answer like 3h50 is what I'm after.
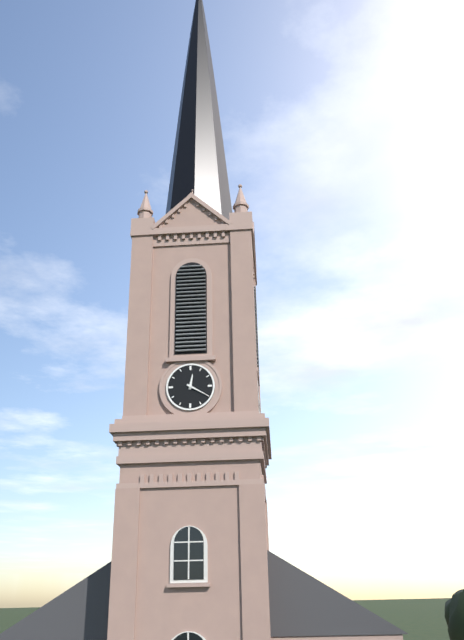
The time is 12h20
